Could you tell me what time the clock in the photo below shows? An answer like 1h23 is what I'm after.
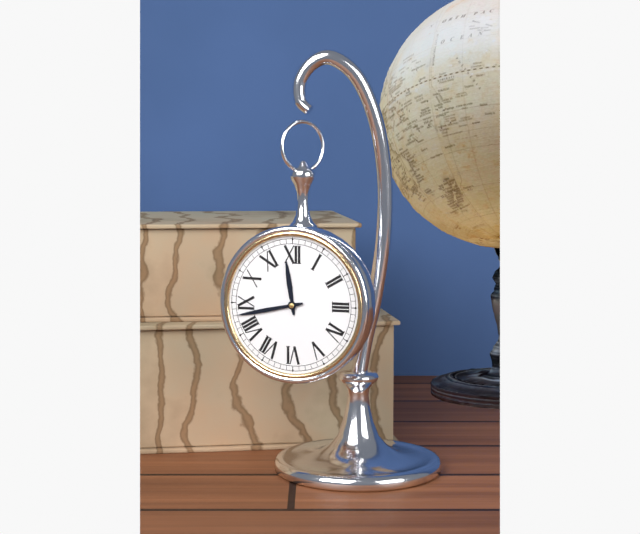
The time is 11h43
